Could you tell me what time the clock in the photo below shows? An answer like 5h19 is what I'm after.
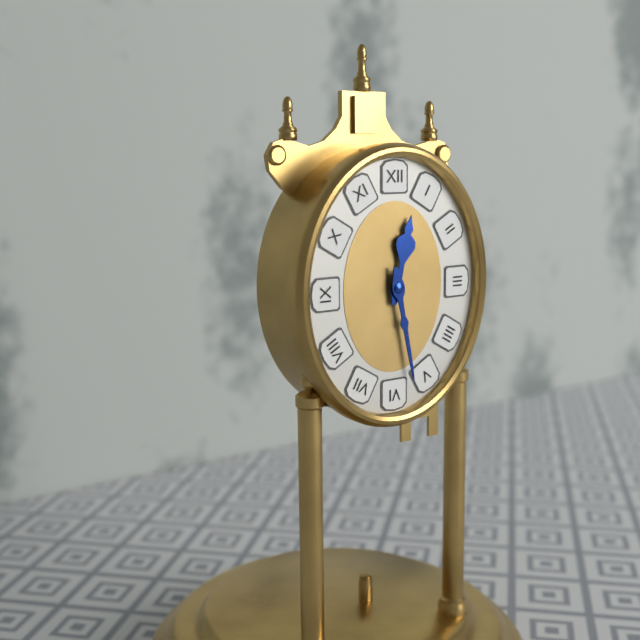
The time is 12h28
